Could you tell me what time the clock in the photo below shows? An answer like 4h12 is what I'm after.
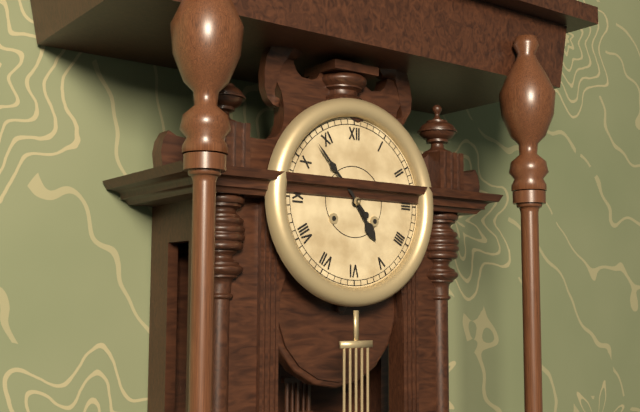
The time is 4h53
